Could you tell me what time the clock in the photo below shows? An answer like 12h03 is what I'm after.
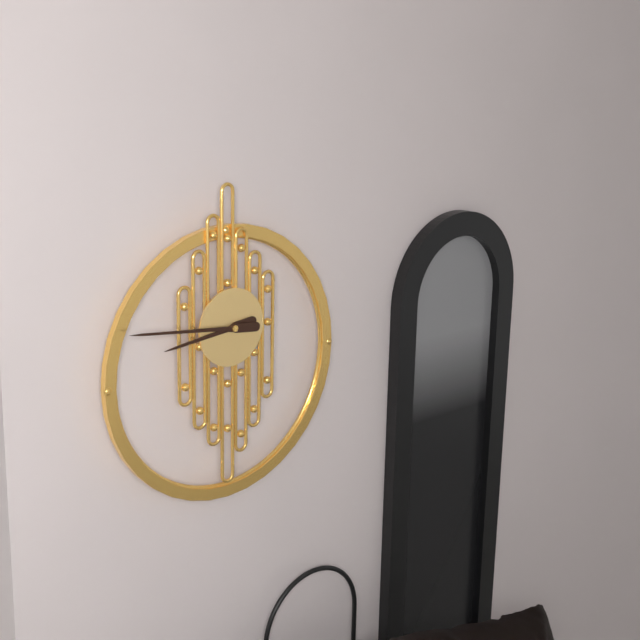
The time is 8h46
